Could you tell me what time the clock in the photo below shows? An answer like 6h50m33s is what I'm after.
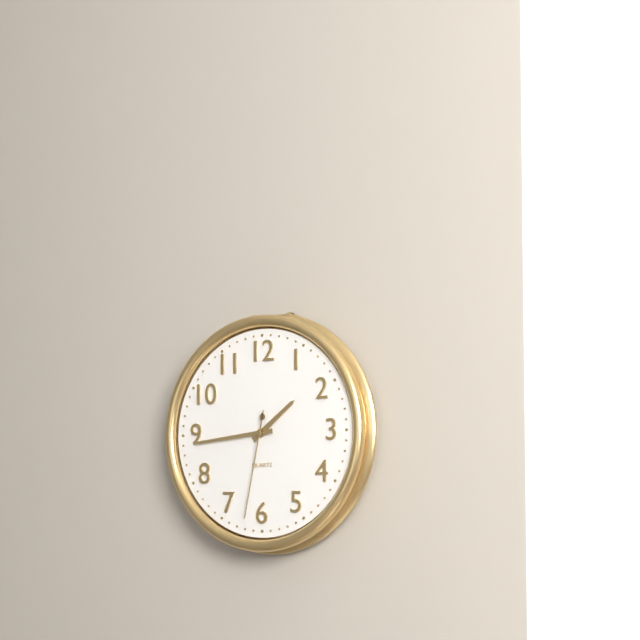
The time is 1h44m32s
